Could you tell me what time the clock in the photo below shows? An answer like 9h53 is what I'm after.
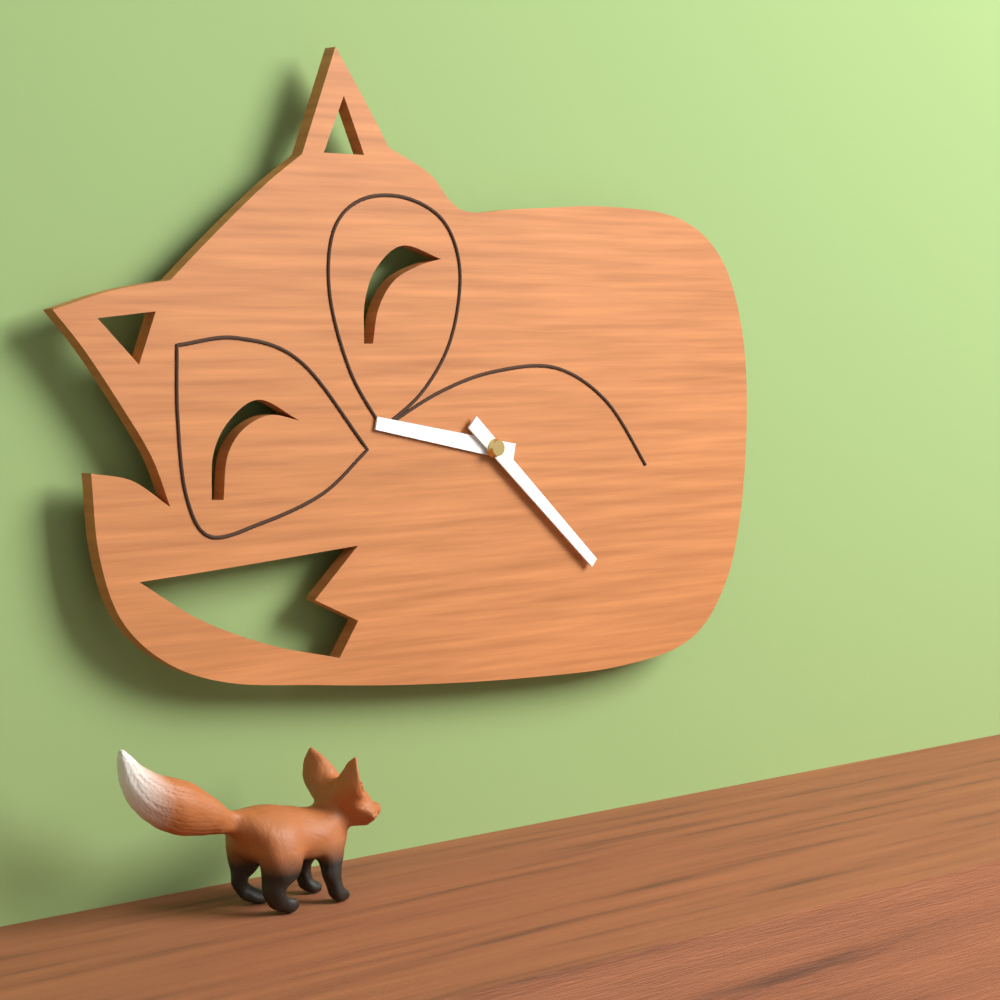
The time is 9h22
